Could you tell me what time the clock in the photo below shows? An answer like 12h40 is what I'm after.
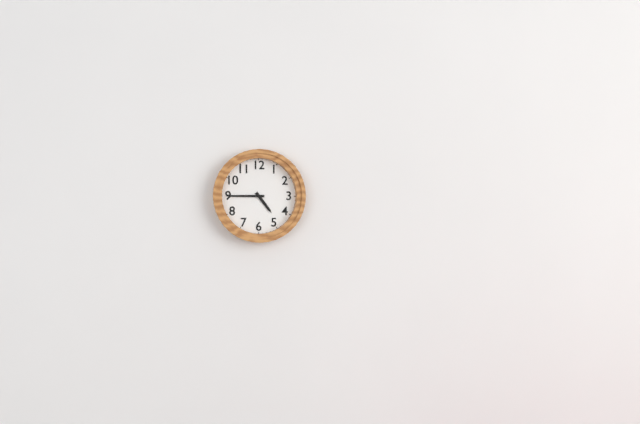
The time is 4h45
